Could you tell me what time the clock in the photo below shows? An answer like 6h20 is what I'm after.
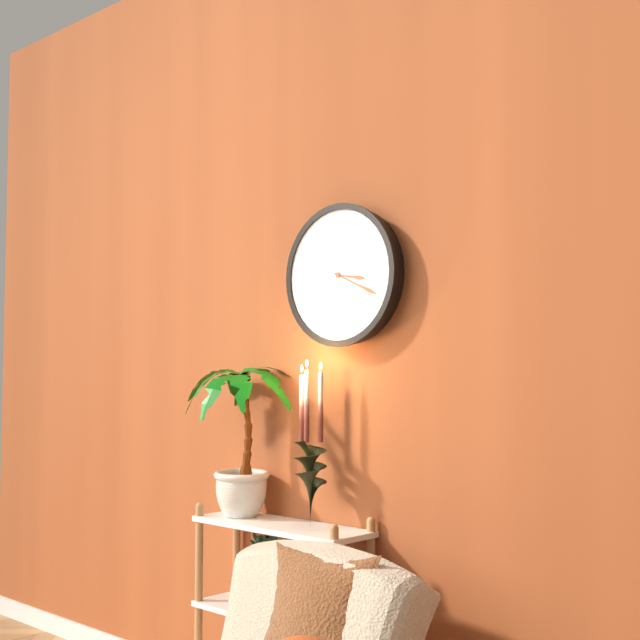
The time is 3h19
